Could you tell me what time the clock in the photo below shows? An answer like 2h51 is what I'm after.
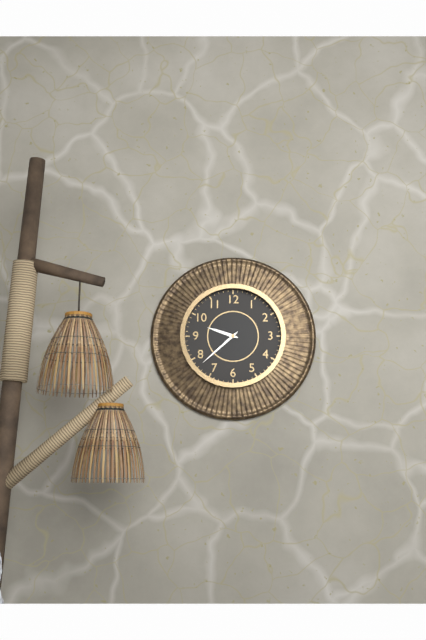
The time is 9h38
